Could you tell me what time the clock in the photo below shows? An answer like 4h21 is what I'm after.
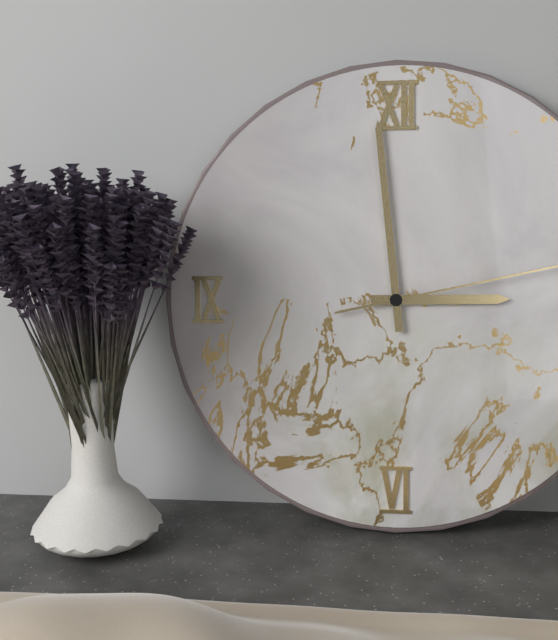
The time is 2h59
